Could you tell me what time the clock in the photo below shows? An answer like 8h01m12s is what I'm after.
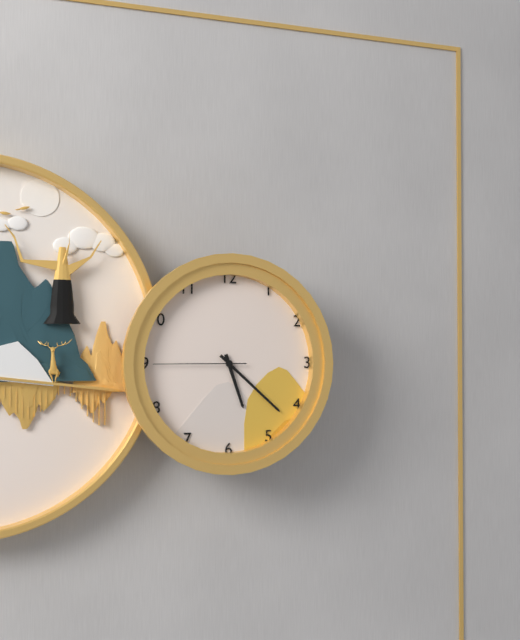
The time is 5h22m45s
